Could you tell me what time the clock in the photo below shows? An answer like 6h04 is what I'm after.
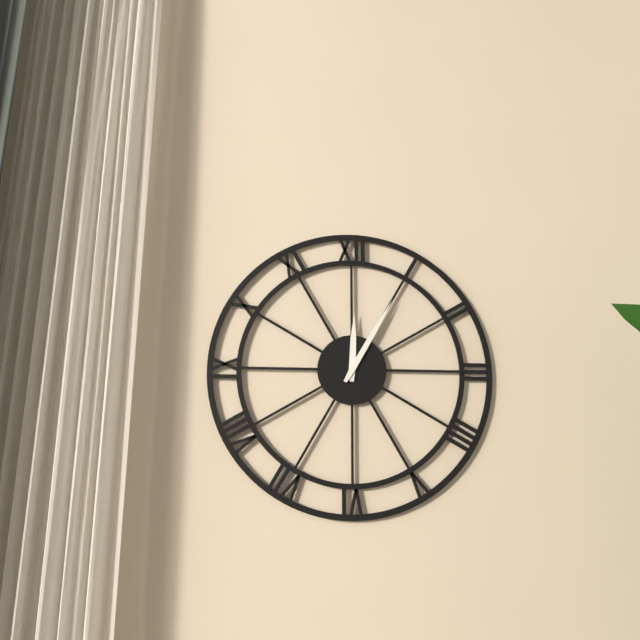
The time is 12h05
